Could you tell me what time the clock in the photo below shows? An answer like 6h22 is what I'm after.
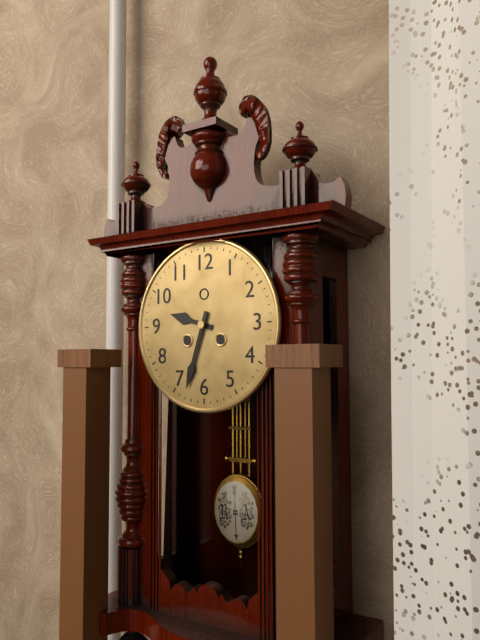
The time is 9h33
